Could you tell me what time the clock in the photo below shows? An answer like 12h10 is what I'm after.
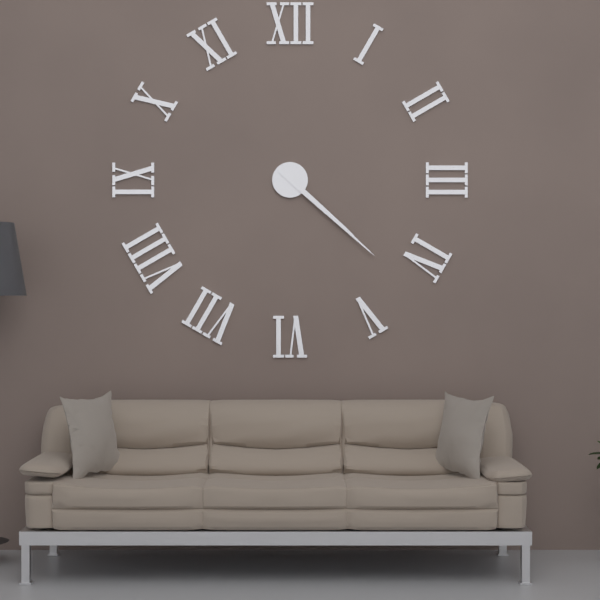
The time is 4h22
